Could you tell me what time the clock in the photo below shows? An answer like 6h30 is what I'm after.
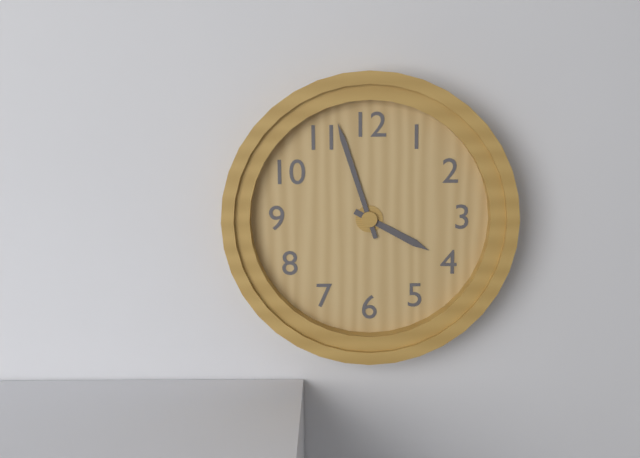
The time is 3h57
